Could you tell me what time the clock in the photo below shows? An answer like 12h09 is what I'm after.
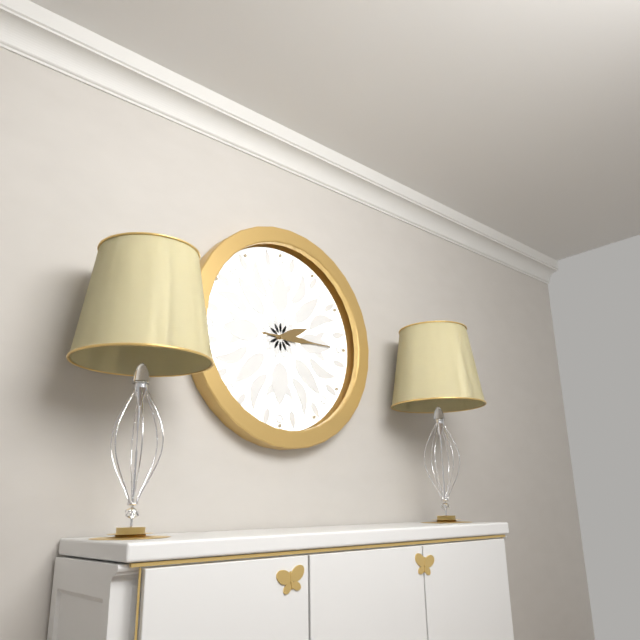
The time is 2h15
